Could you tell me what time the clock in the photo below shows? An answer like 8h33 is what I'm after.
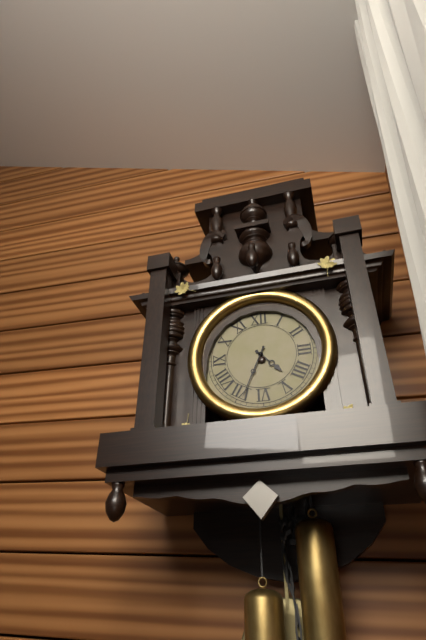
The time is 4h34
